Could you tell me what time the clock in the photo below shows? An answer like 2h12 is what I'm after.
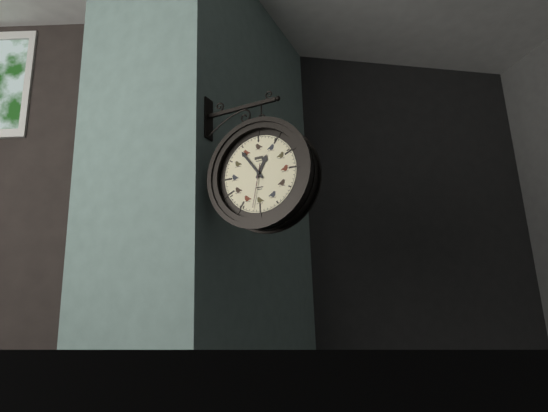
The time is 12h54
